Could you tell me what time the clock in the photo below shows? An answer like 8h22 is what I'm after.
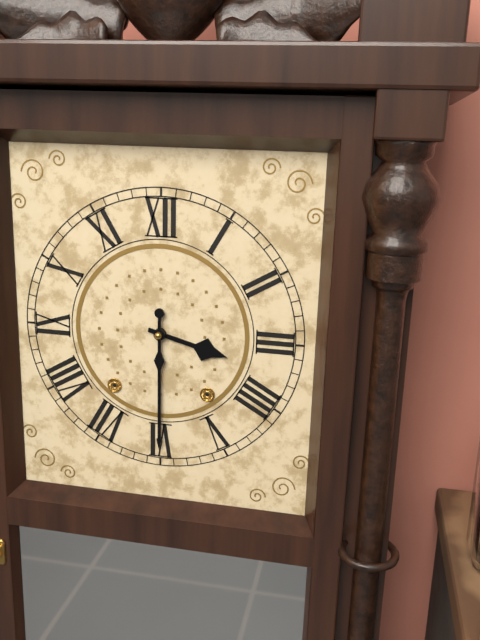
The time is 3h30
